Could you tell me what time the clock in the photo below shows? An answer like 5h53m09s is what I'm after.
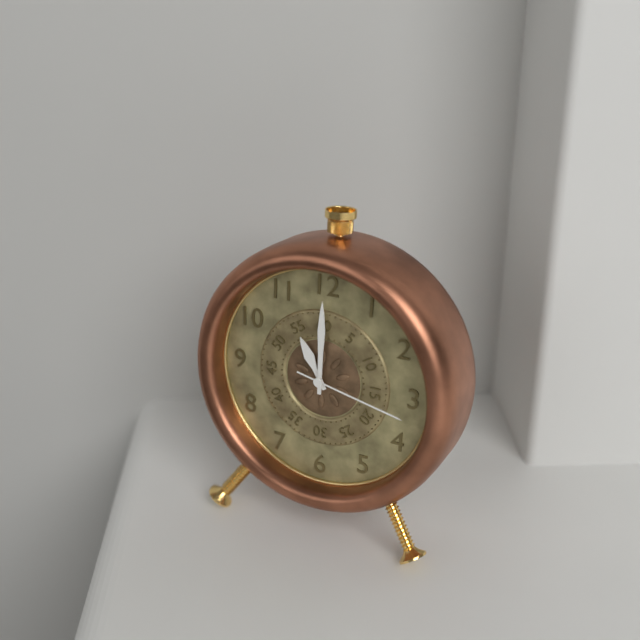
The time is 11h00m17s
